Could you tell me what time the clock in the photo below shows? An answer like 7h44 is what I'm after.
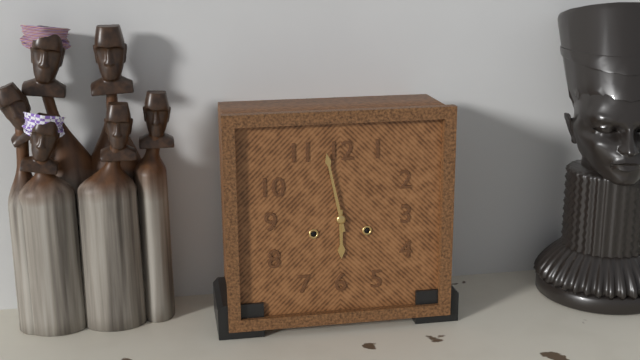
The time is 5h58
